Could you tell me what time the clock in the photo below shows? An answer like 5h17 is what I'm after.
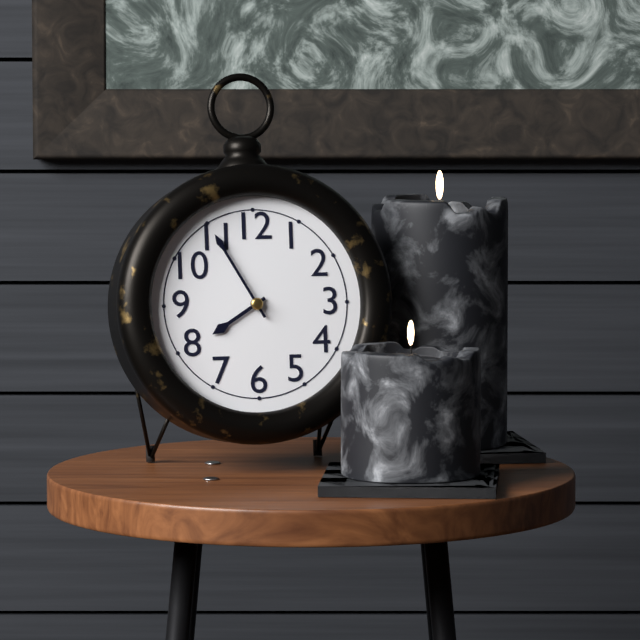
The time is 7h55
